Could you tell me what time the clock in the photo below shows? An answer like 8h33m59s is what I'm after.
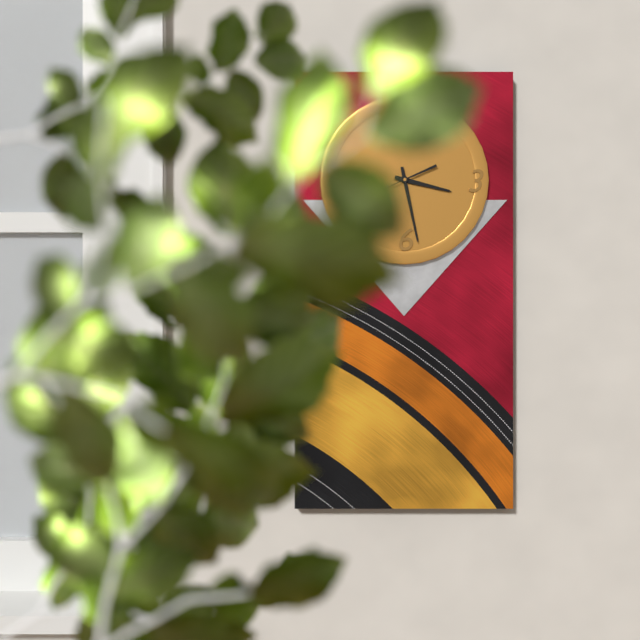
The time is 3h28m41s
